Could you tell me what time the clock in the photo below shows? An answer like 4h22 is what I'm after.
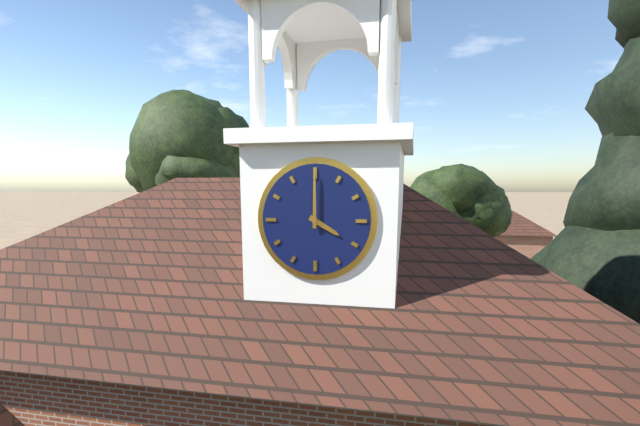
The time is 4h00
